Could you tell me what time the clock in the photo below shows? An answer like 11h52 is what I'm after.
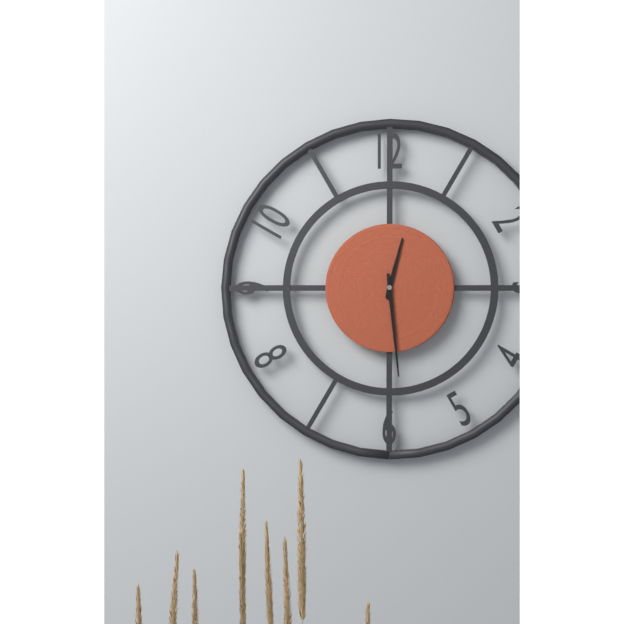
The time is 12h29
